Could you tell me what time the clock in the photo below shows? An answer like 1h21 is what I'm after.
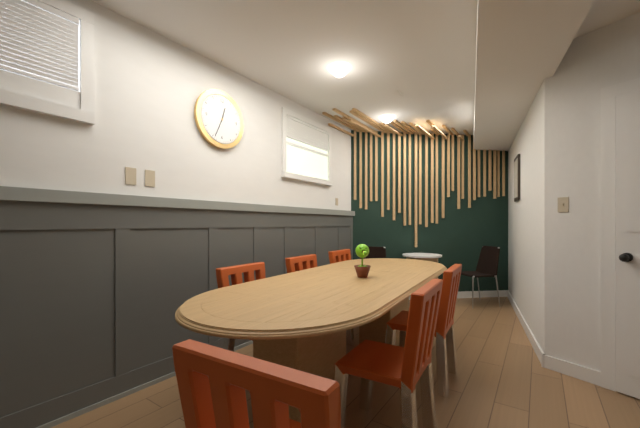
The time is 12h34
